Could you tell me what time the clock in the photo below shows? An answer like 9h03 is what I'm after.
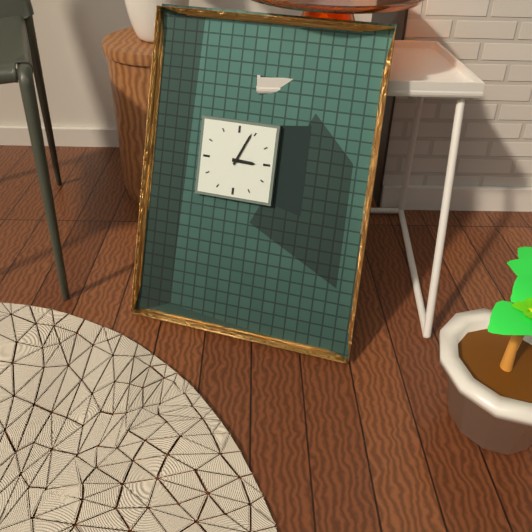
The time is 3h04
